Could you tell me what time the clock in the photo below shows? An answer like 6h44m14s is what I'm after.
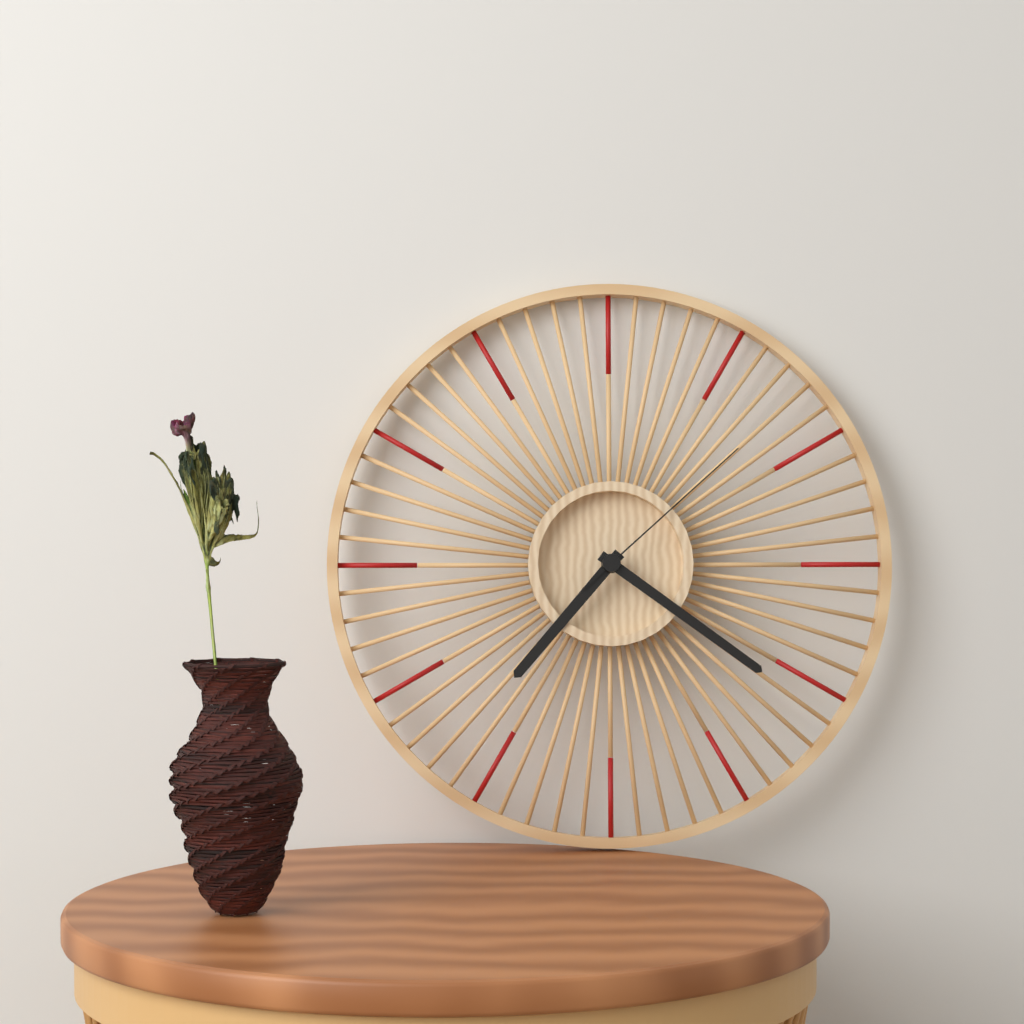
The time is 7h21m08s
